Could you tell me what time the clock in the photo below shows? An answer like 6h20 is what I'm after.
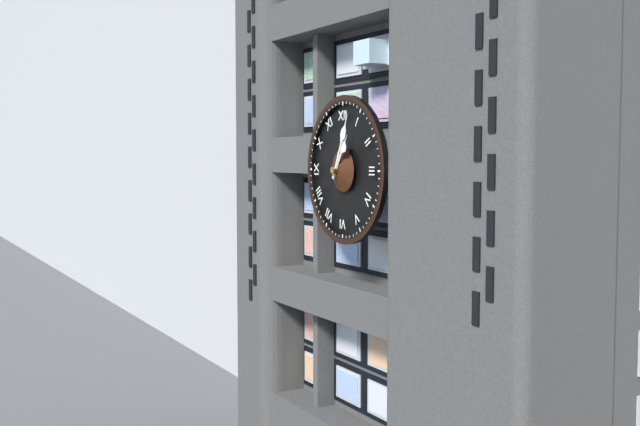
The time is 1h04
